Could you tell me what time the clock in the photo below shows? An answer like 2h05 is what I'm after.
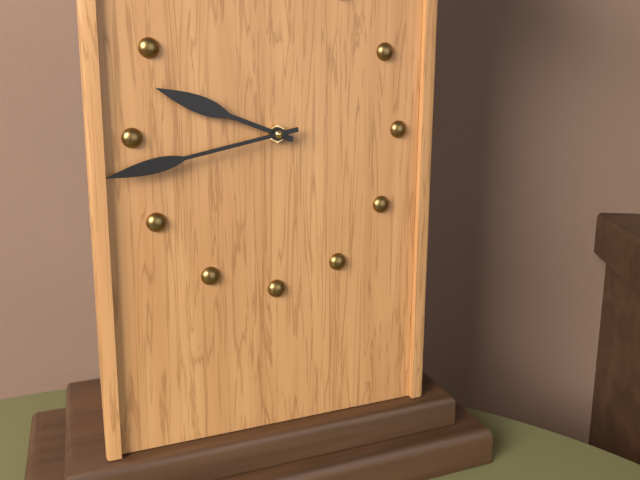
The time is 9h43
